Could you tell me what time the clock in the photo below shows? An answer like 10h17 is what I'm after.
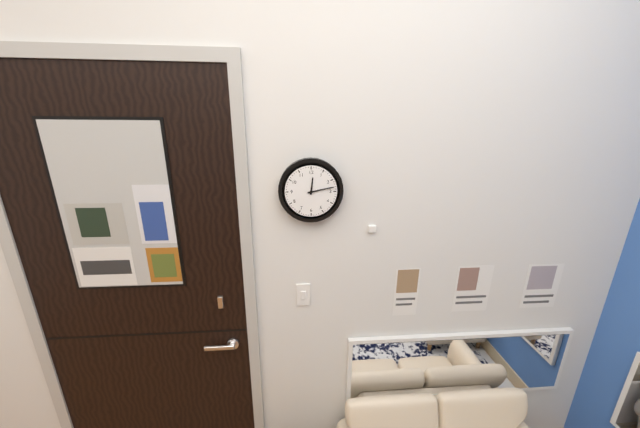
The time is 12h13
